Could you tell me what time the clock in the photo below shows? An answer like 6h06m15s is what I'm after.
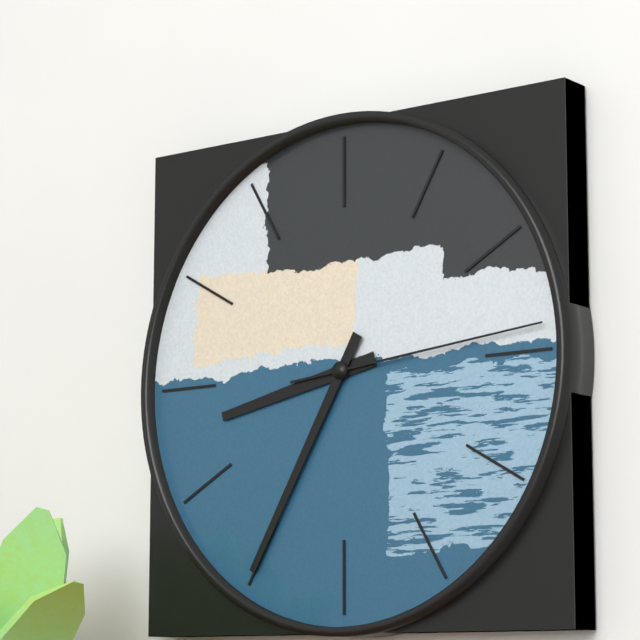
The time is 8h35m14s
